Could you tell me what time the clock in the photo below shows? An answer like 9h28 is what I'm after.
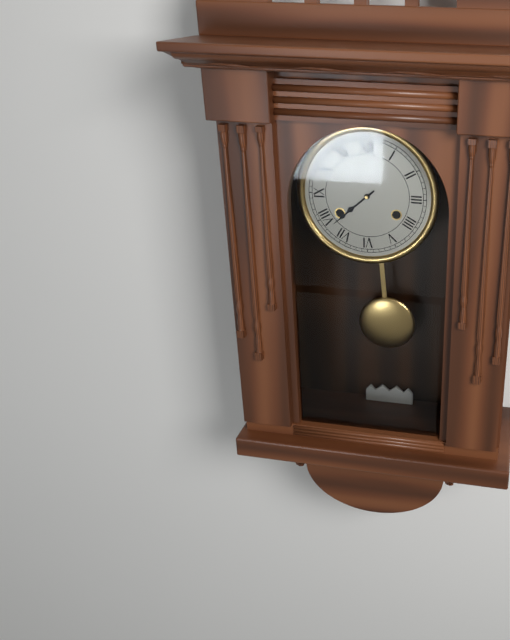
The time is 7h38
